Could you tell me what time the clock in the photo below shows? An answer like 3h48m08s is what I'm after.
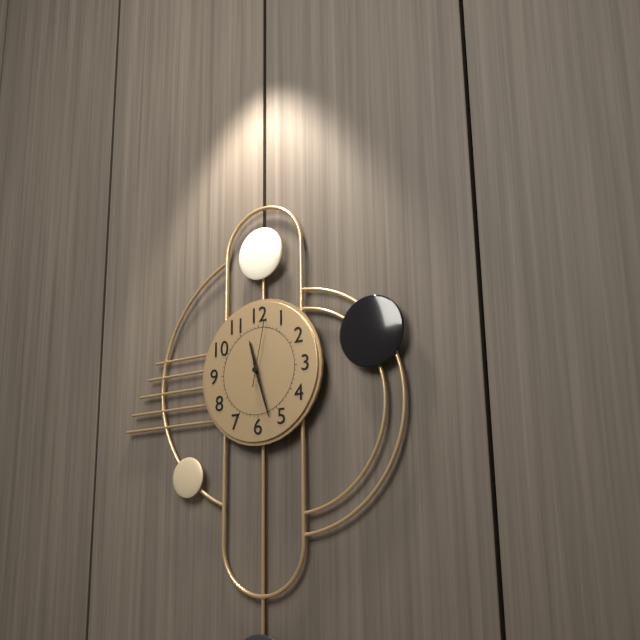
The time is 11h27m02s
